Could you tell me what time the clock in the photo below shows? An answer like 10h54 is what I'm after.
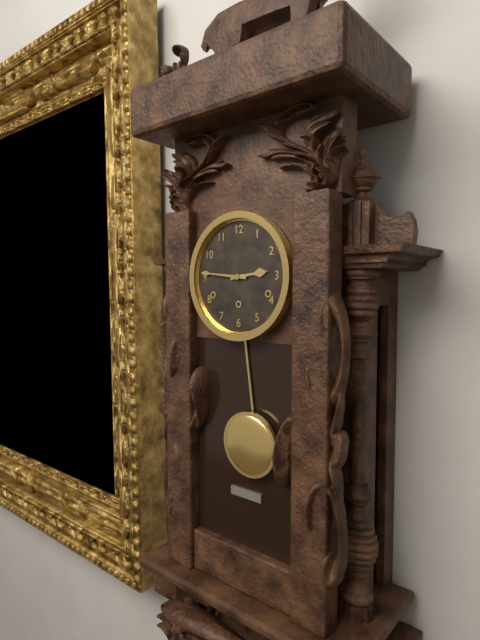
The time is 2h46
